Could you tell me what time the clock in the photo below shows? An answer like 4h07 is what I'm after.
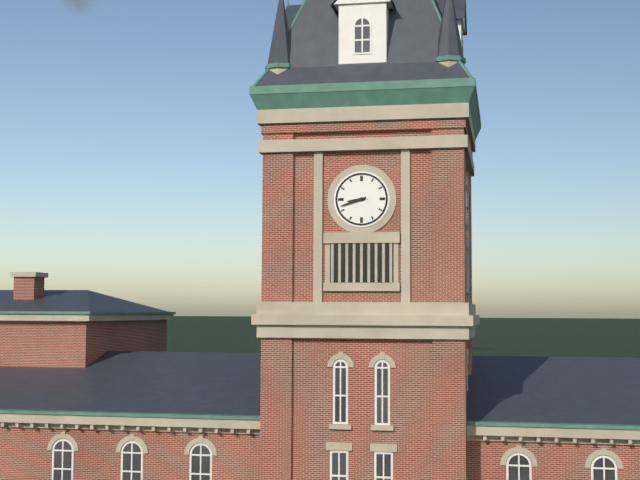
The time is 8h42
